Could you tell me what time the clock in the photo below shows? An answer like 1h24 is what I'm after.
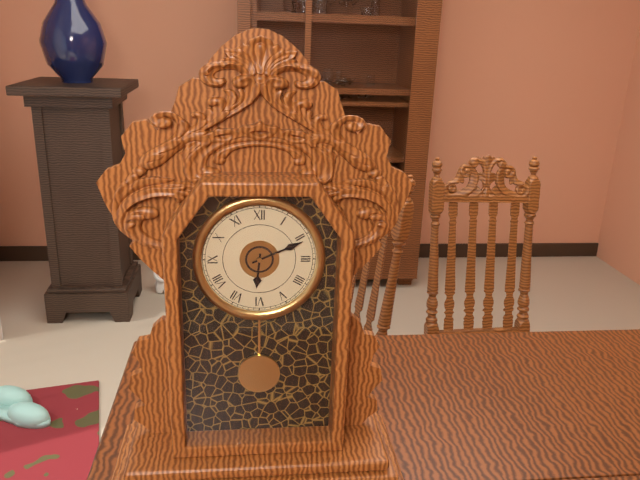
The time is 6h11
